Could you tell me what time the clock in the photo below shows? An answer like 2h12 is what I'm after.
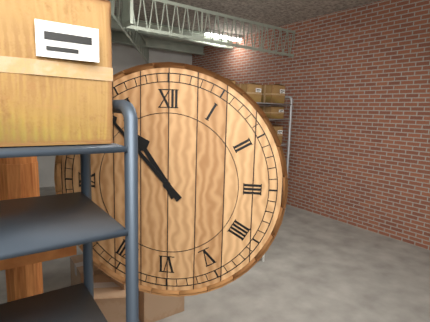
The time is 10h53
